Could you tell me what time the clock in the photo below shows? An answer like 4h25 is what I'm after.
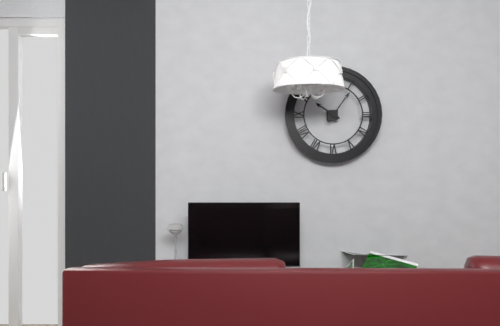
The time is 10h06
